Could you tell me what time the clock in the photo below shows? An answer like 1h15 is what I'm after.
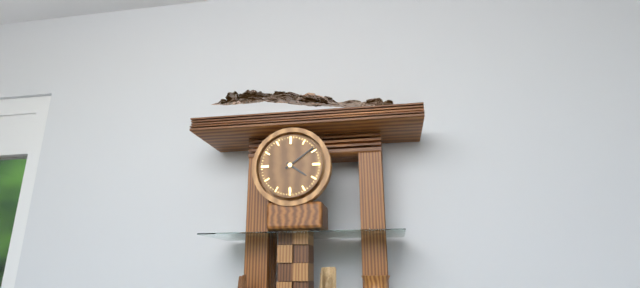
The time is 4h09
